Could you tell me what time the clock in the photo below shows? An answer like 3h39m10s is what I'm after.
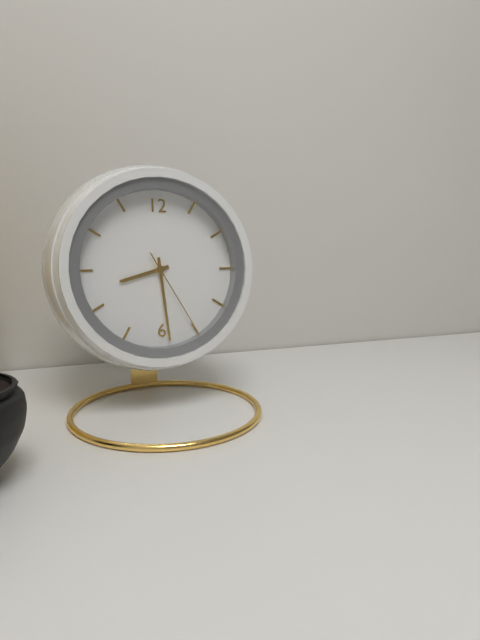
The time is 8h29m25s
